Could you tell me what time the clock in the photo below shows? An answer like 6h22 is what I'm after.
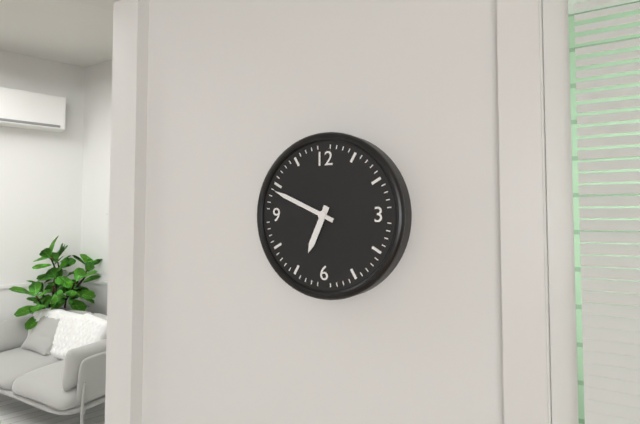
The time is 6h49
